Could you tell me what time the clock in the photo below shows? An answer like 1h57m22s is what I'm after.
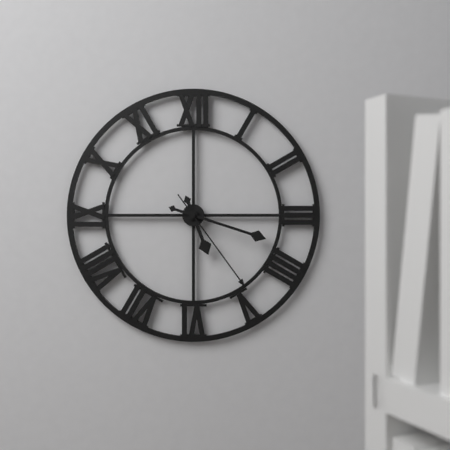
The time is 5h18m24s
